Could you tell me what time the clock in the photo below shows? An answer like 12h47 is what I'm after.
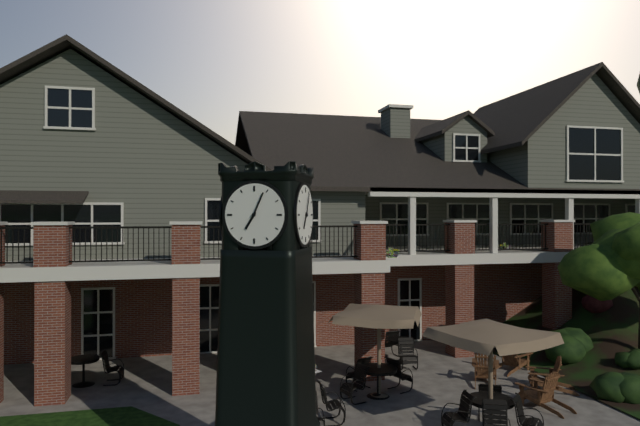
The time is 7h04
